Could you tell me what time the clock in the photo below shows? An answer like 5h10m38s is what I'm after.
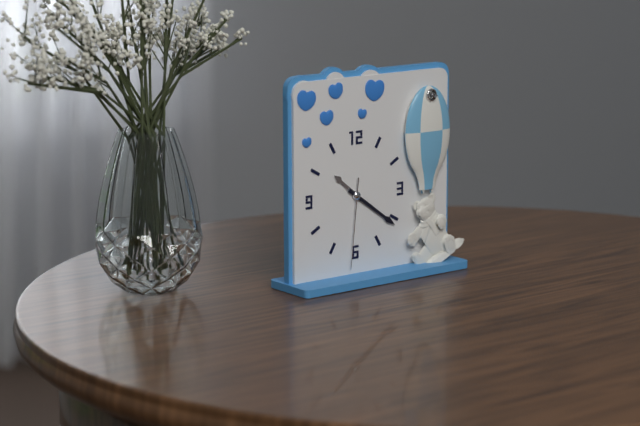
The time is 10h21m31s
